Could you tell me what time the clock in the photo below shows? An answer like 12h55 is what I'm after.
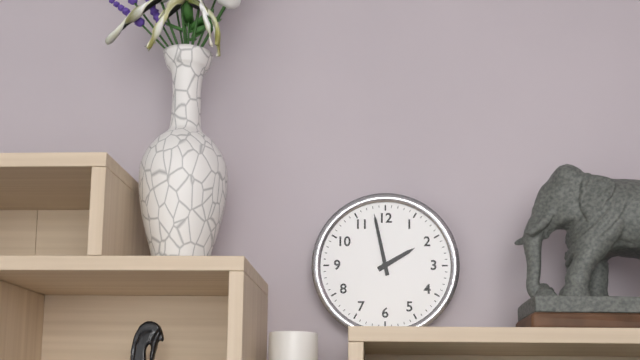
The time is 1h58
